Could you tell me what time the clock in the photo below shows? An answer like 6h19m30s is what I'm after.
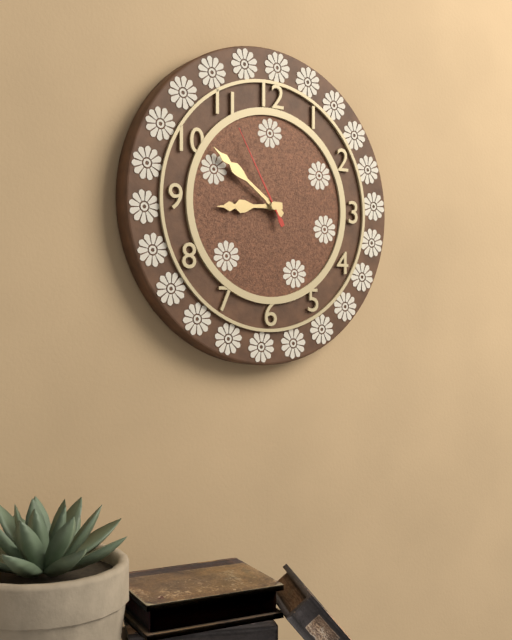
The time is 8h51m55s
